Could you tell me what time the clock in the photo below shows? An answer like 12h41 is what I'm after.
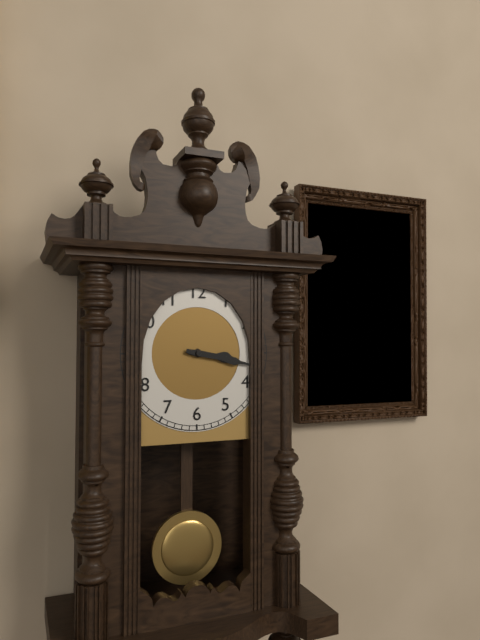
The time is 3h17
